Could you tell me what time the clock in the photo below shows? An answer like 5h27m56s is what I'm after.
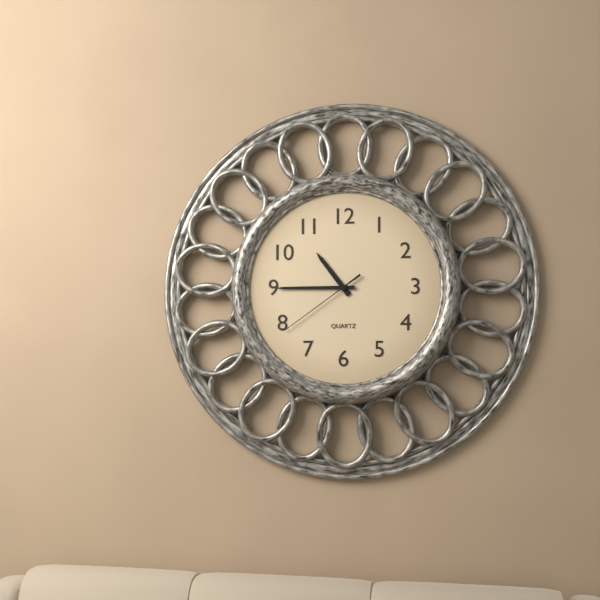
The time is 10h45m39s
